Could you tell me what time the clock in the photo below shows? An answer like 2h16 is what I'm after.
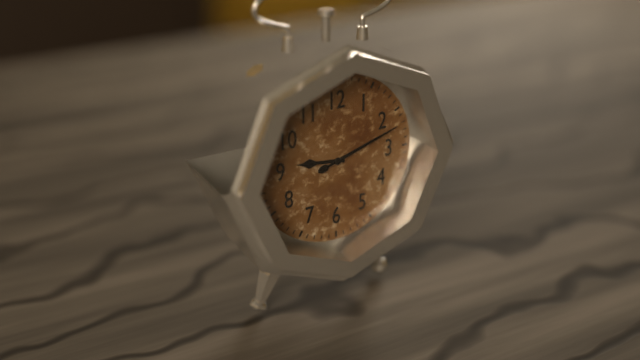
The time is 9h12
